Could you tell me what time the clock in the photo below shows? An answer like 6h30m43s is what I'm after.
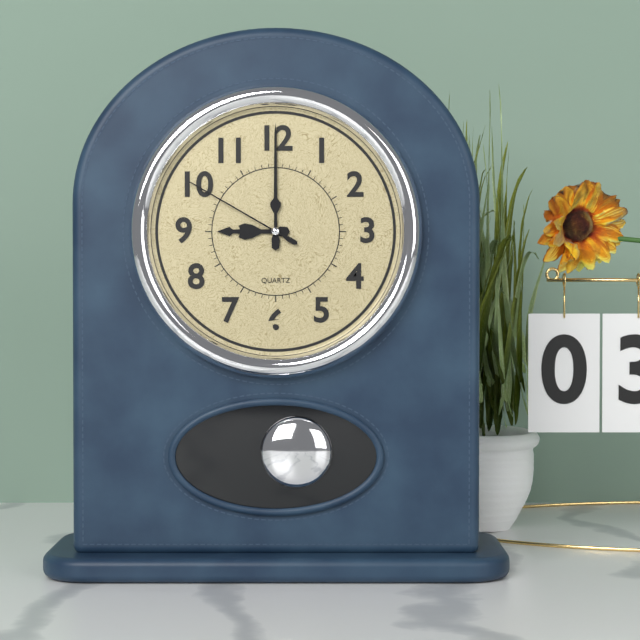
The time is 9h00m50s
